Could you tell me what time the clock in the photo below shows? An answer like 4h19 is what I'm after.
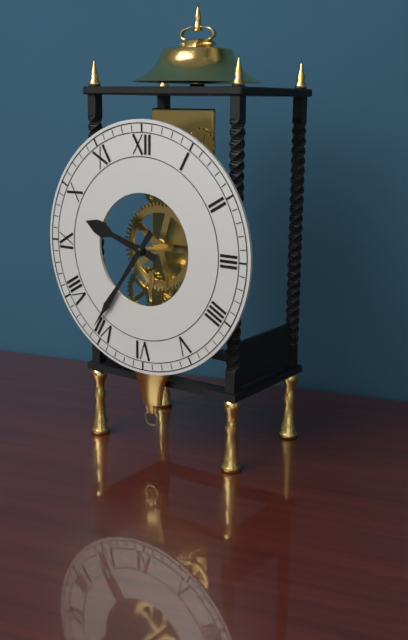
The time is 9h36
